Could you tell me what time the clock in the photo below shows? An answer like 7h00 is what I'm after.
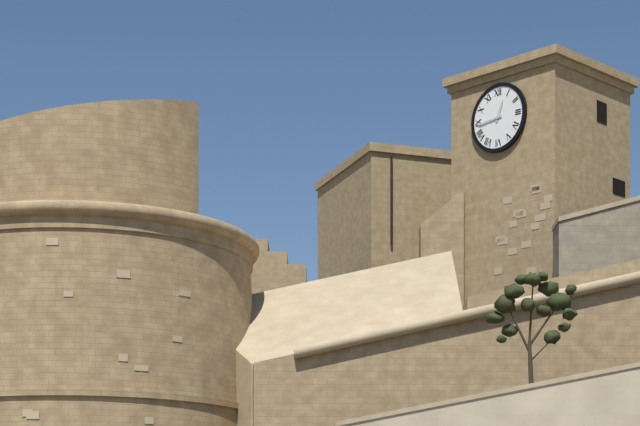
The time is 12h44
